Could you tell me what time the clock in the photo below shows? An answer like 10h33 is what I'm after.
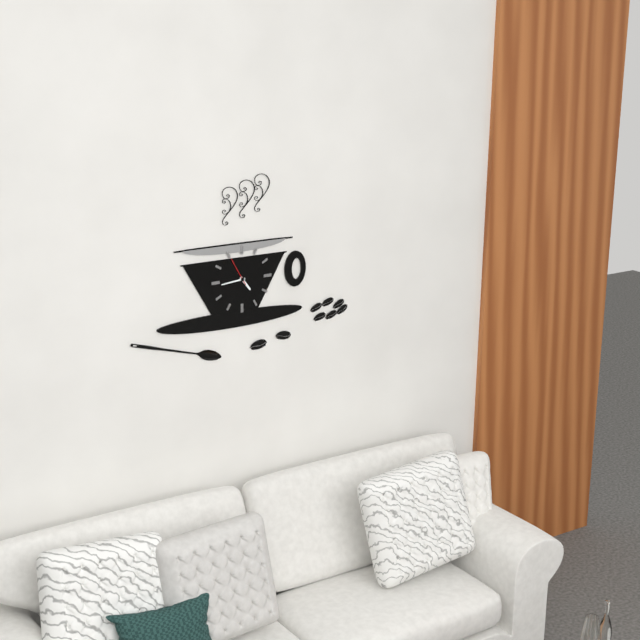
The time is 4h44
